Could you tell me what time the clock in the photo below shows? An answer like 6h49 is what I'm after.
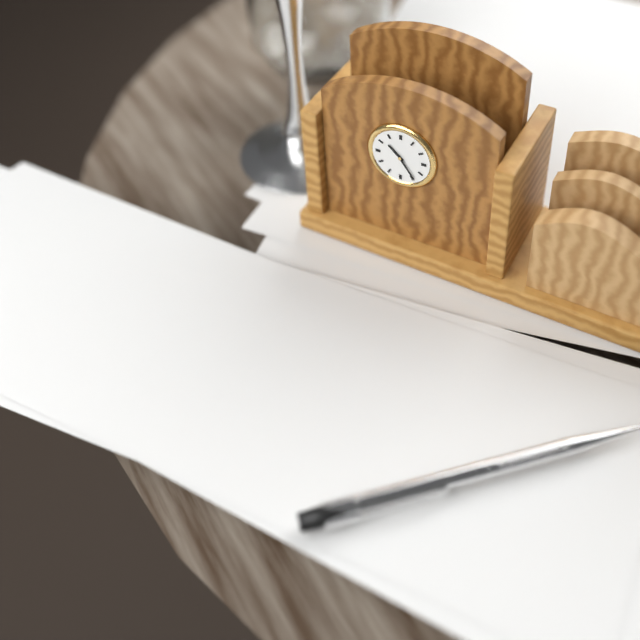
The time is 10h24
